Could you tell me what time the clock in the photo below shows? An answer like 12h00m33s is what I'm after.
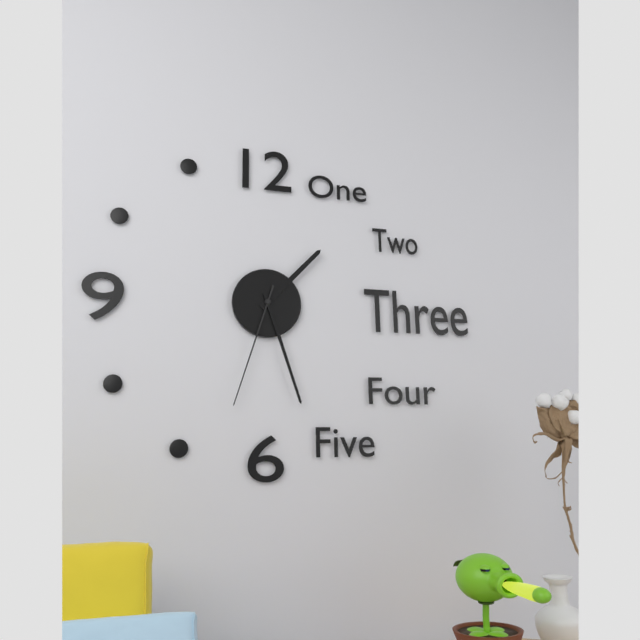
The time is 1h27m33s
